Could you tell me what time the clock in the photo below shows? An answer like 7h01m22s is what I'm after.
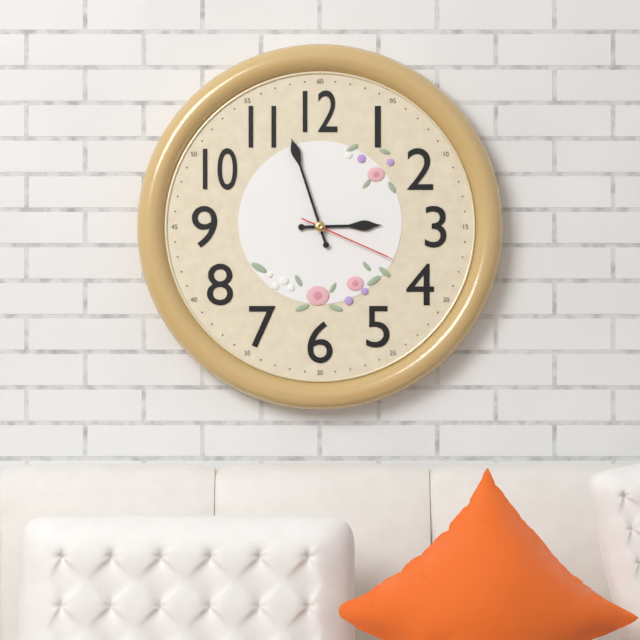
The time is 2h57m19s
